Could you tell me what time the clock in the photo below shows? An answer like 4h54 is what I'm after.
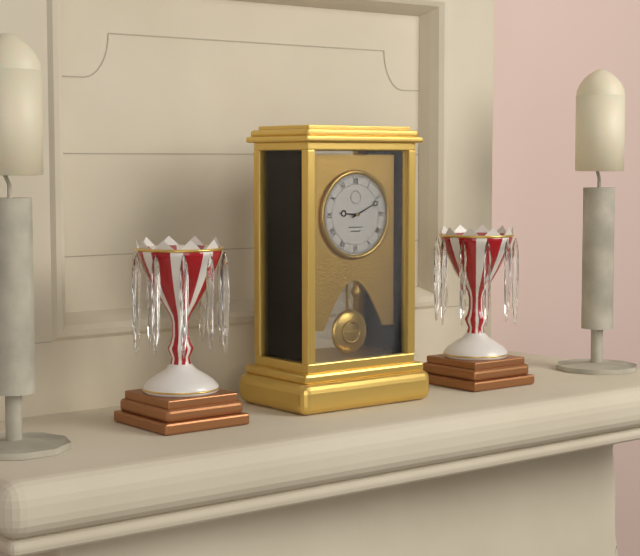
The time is 9h11
